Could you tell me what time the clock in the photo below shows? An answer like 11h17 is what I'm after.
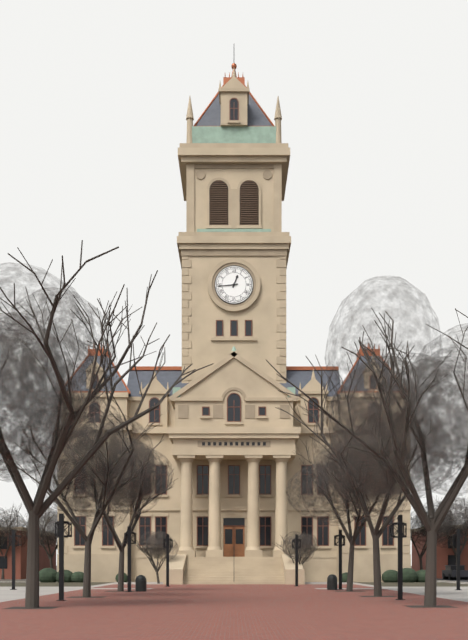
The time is 12h44
